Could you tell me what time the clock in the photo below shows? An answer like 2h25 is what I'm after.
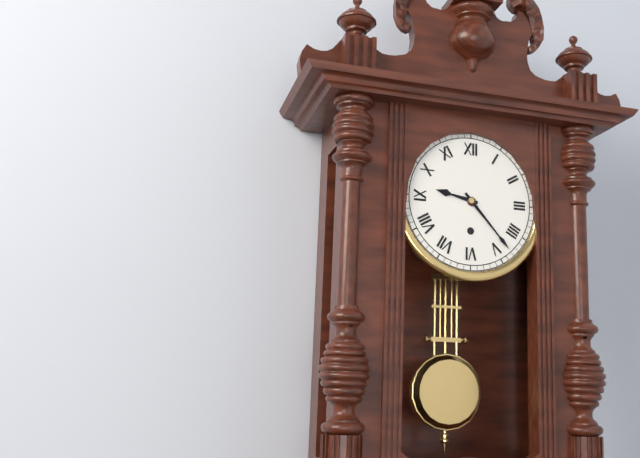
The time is 9h23
